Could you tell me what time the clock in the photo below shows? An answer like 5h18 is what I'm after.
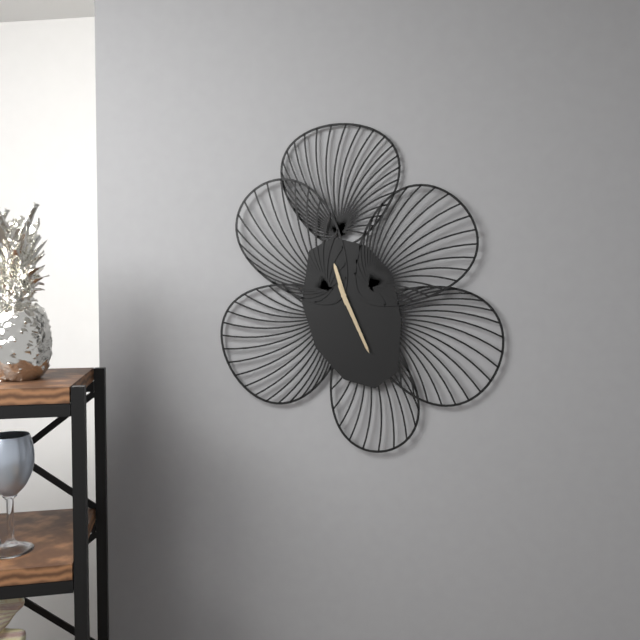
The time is 11h26
